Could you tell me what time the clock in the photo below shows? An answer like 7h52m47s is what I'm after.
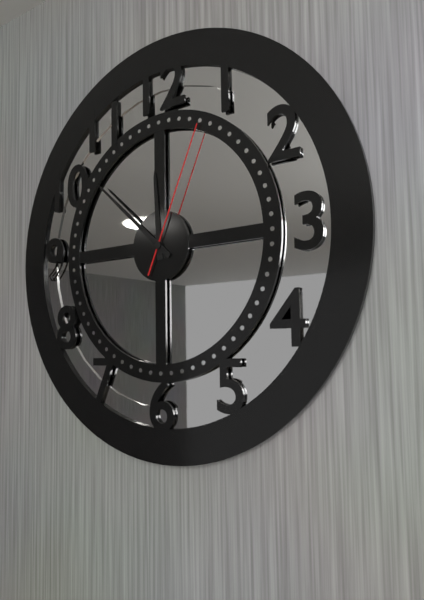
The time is 11h52m04s
